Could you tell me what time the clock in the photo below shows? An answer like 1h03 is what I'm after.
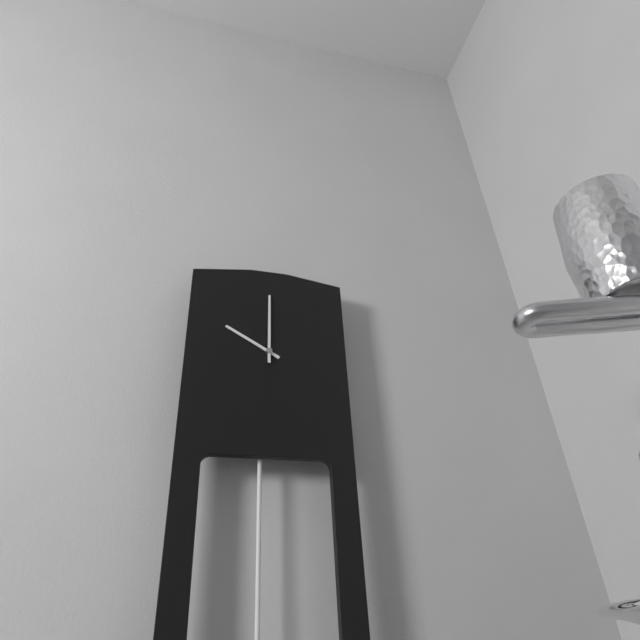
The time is 10h00
